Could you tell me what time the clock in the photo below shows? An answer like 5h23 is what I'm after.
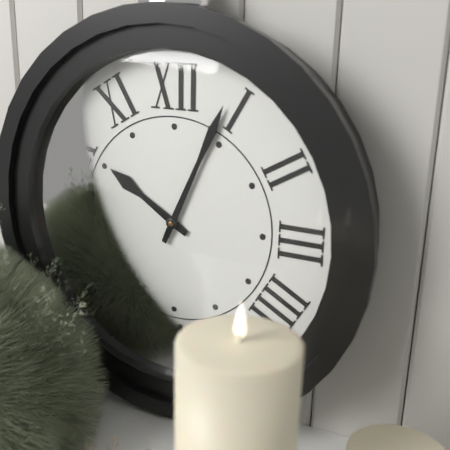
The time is 10h04
